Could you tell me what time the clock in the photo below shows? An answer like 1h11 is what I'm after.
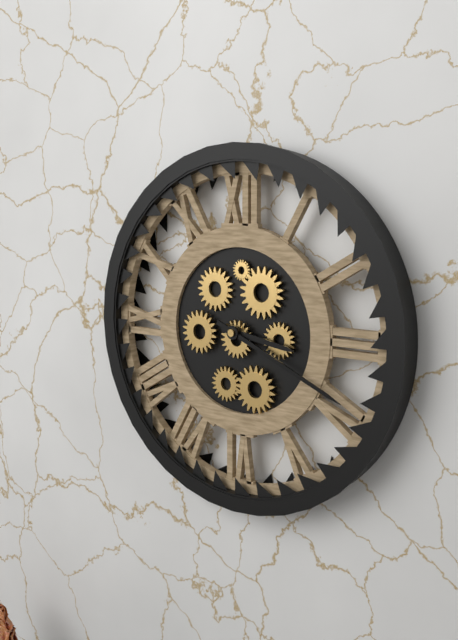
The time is 3h19
